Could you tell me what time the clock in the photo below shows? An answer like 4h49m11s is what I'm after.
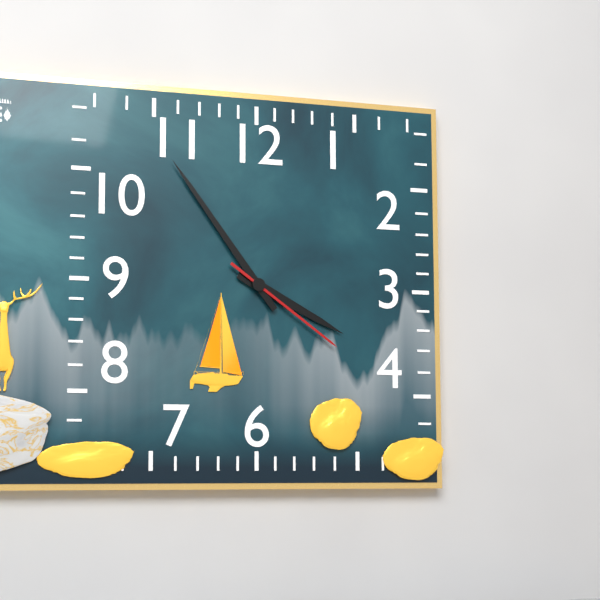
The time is 3h54m21s
